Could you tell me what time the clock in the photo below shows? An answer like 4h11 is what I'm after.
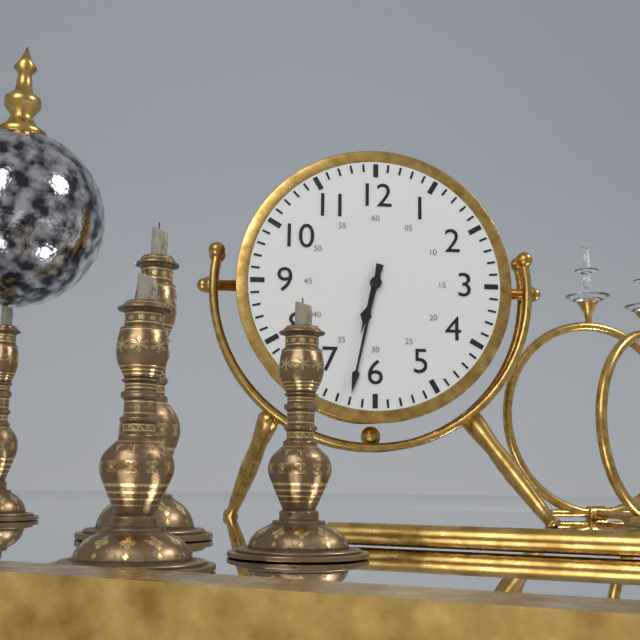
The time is 6h32
